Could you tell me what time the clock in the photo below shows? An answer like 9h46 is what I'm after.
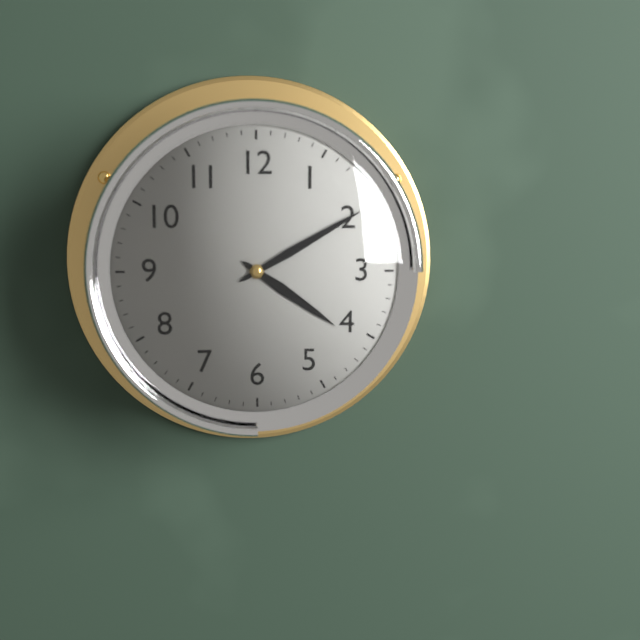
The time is 4h10
